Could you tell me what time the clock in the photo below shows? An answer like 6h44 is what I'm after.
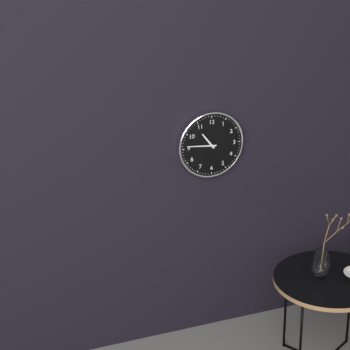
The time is 10h46
